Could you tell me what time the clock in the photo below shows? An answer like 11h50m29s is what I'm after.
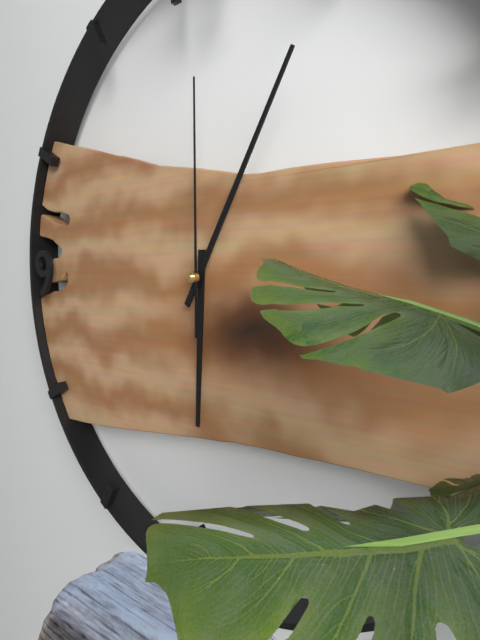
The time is 6h05m00s
